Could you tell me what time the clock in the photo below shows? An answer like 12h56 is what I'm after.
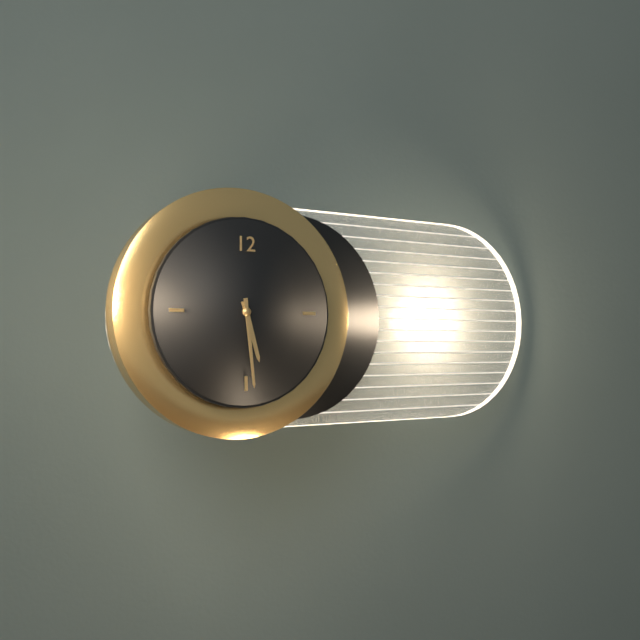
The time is 5h29
